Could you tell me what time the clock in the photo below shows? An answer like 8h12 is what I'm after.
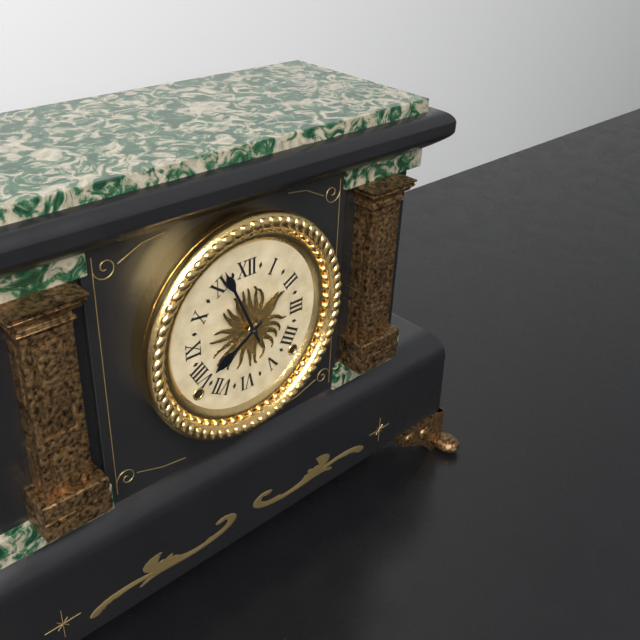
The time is 7h56
